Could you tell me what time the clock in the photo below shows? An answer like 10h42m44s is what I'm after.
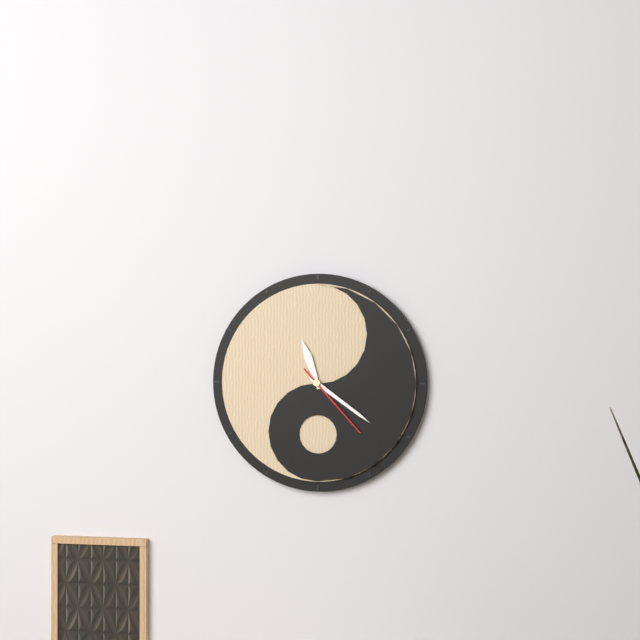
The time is 11h21m23s
